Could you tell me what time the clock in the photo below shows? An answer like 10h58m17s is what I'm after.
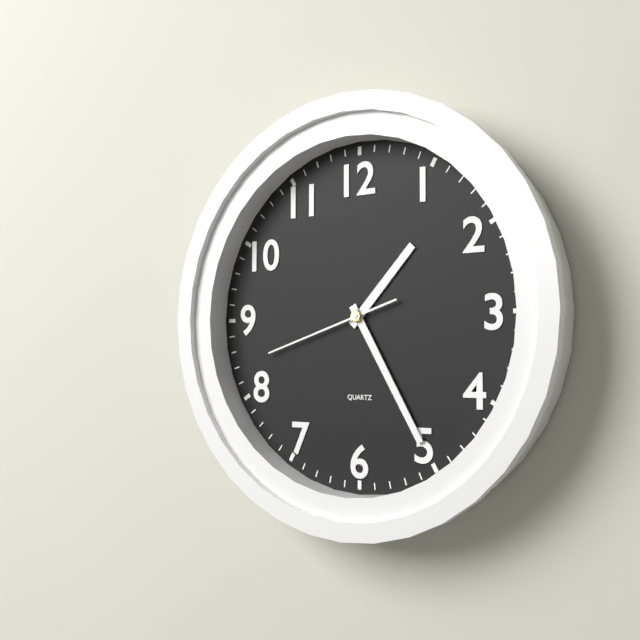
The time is 1h25m42s
